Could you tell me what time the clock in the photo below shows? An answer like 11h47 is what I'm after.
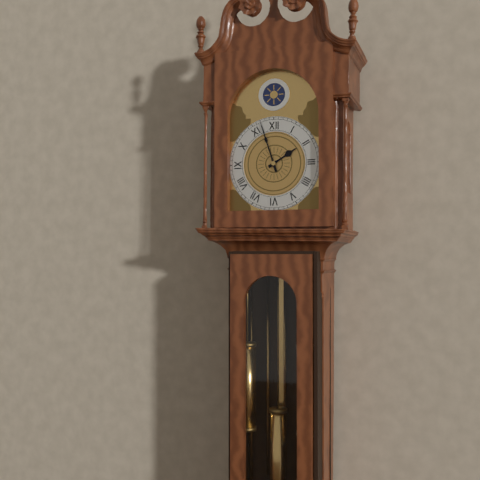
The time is 1h57
